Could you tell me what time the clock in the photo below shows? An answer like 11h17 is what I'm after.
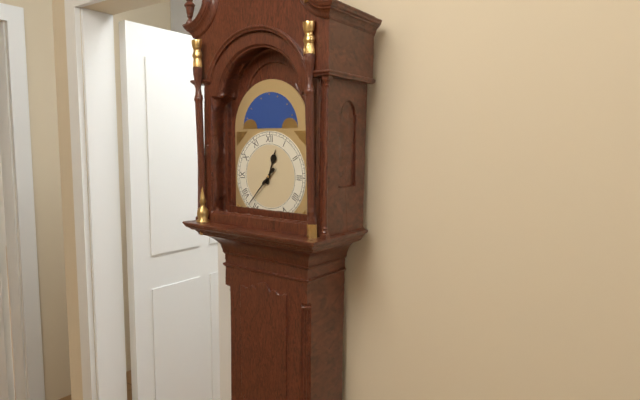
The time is 12h37
